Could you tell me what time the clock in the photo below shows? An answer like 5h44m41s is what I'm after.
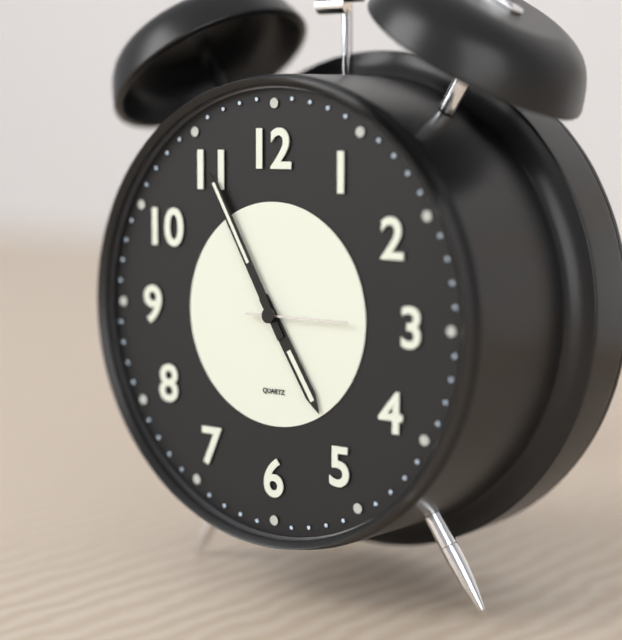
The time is 4h55m15s
